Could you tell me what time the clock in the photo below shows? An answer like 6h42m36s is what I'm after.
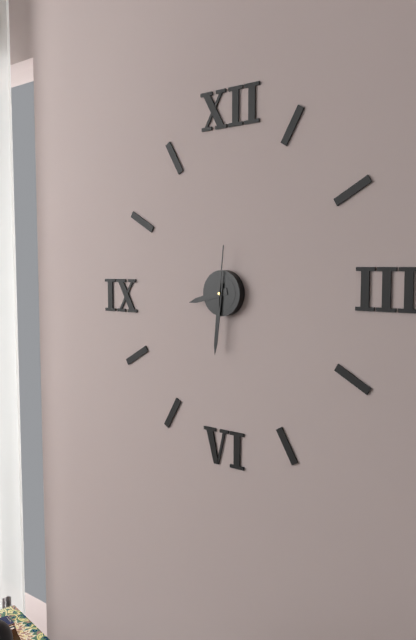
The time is 8h31m01s
